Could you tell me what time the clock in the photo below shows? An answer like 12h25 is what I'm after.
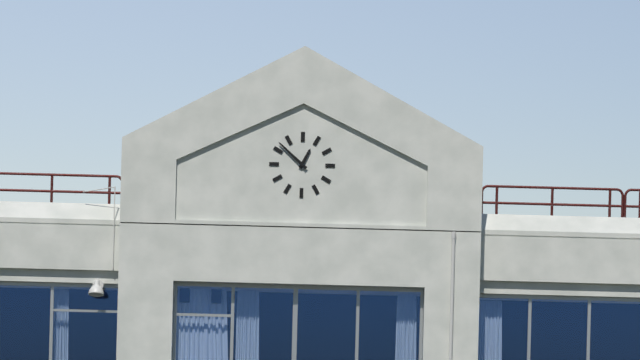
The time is 12h52
